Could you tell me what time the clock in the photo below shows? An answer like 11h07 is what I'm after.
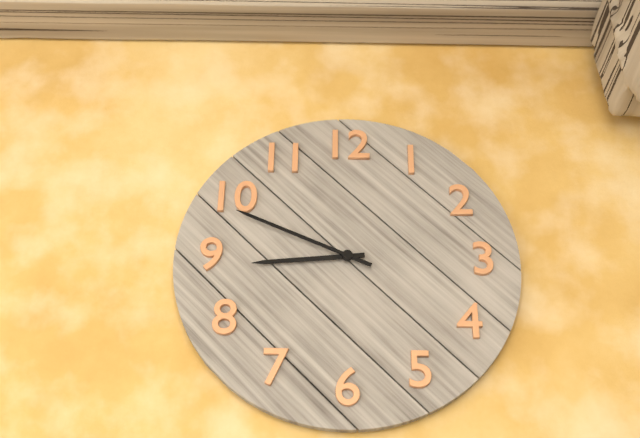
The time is 8h49
